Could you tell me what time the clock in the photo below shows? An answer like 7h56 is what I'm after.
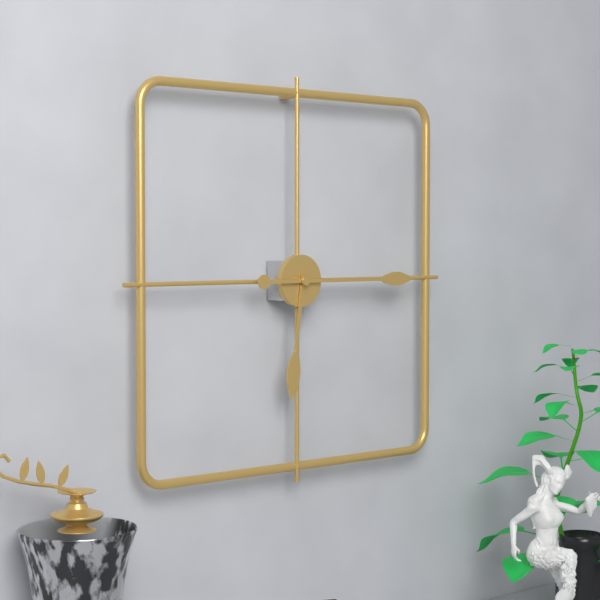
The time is 6h15
